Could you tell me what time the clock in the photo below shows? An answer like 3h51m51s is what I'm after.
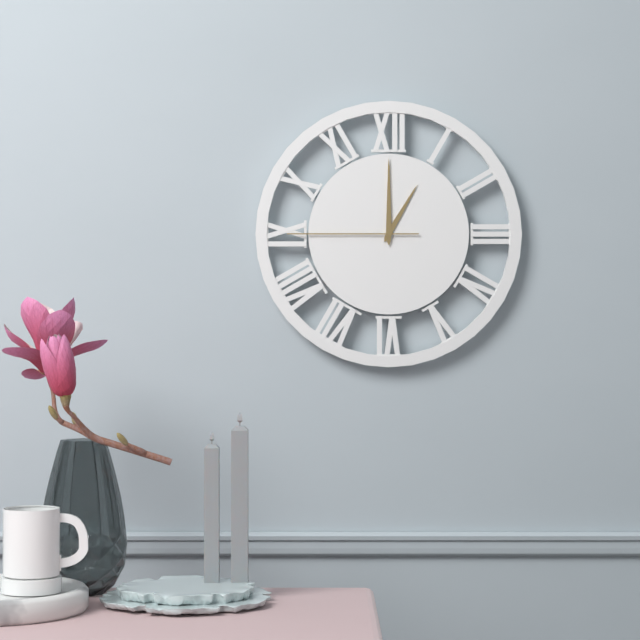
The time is 1h00m45s
